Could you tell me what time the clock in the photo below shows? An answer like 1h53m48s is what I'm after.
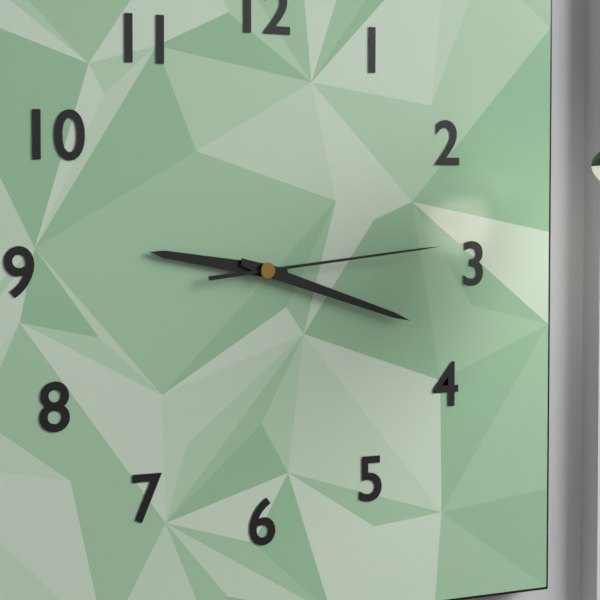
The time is 9h18m14s
